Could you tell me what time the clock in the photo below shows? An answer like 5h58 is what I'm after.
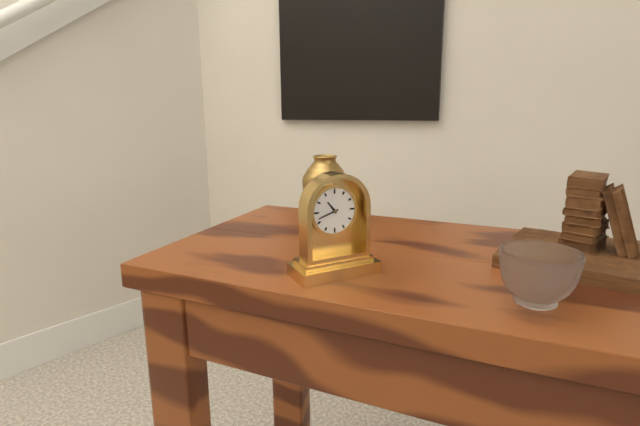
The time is 10h42
